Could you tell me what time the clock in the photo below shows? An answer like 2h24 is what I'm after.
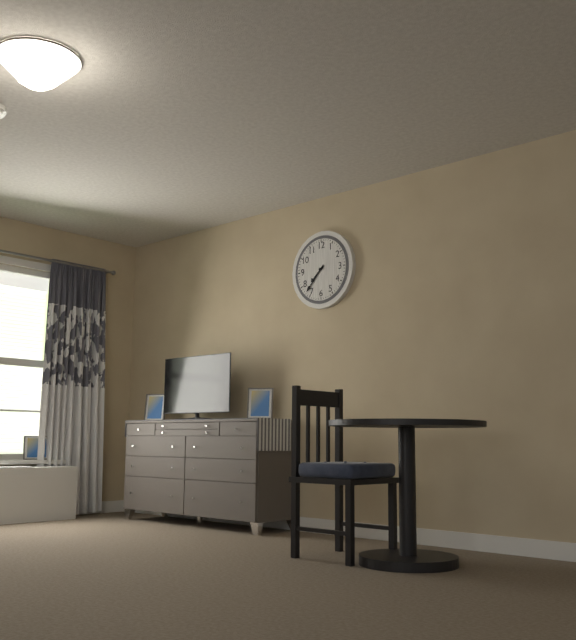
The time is 7h37
